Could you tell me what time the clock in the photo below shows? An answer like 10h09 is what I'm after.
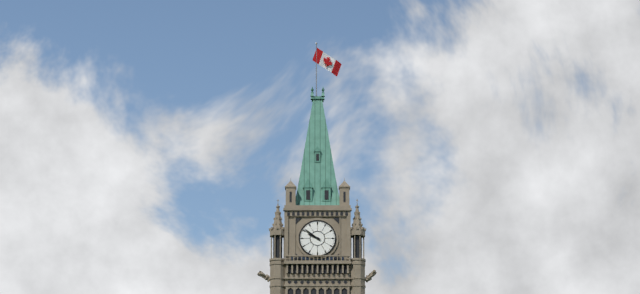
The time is 9h51
